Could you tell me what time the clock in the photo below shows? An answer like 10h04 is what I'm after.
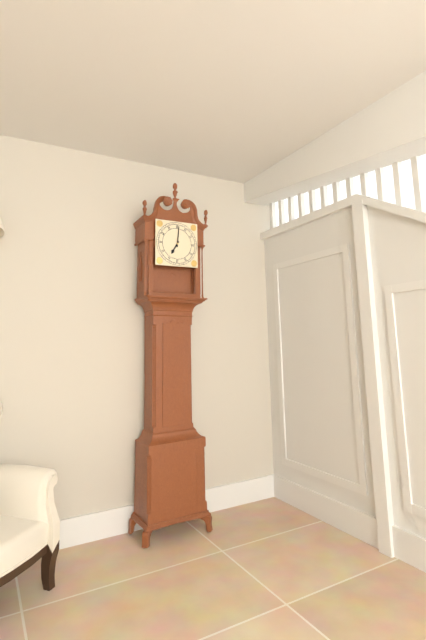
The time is 7h01
